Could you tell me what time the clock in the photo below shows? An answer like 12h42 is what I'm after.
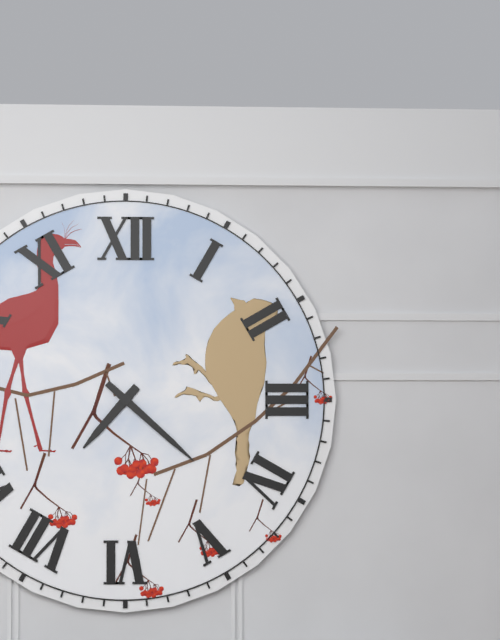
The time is 7h22
